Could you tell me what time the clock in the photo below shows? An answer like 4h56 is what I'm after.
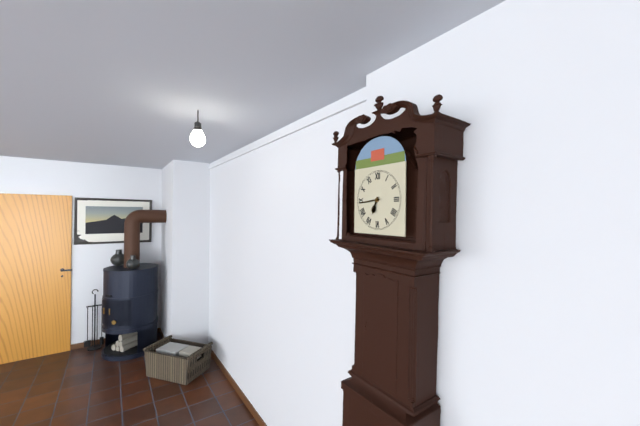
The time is 6h44
